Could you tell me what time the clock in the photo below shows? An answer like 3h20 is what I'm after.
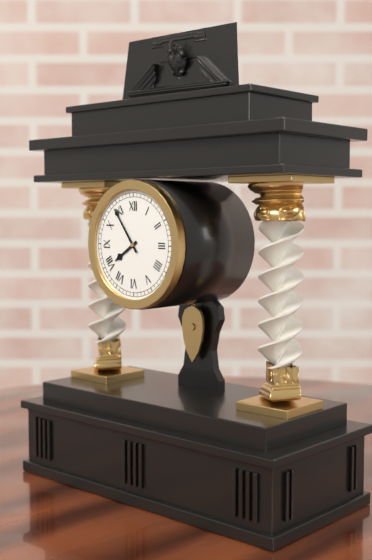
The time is 7h54
